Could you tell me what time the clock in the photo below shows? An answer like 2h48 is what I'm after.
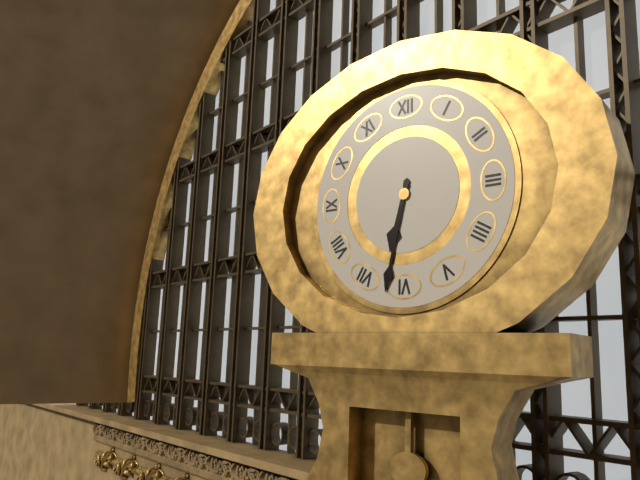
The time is 6h32
